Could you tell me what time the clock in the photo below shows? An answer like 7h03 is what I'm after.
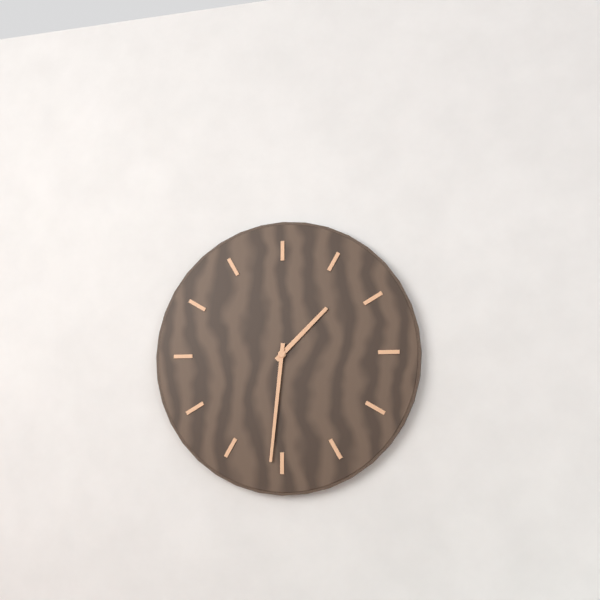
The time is 1h31
